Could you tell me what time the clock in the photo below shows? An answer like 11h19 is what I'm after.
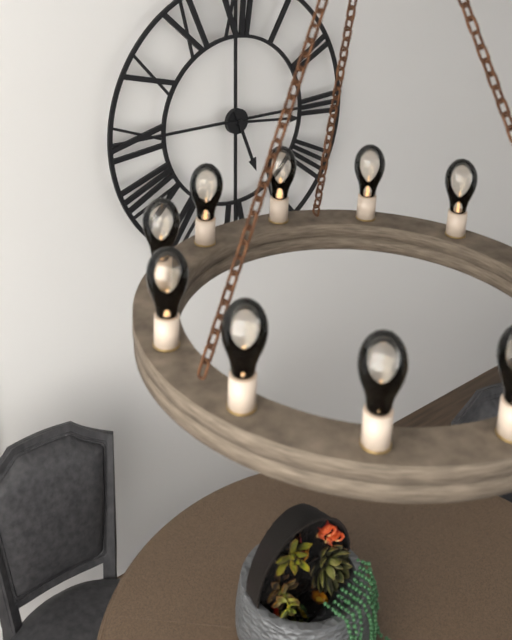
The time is 5h16
